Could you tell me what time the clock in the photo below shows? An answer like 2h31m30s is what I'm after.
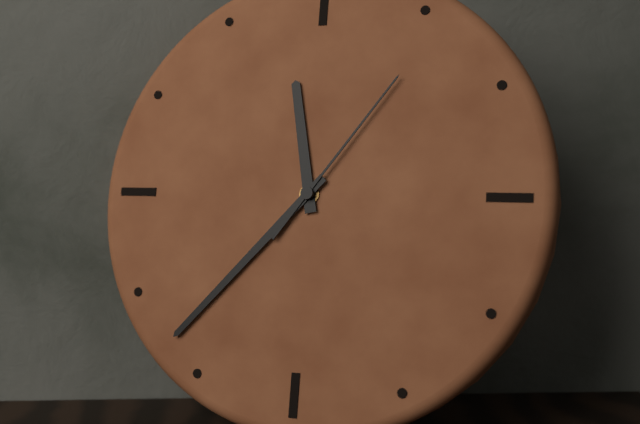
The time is 11h37m06s
